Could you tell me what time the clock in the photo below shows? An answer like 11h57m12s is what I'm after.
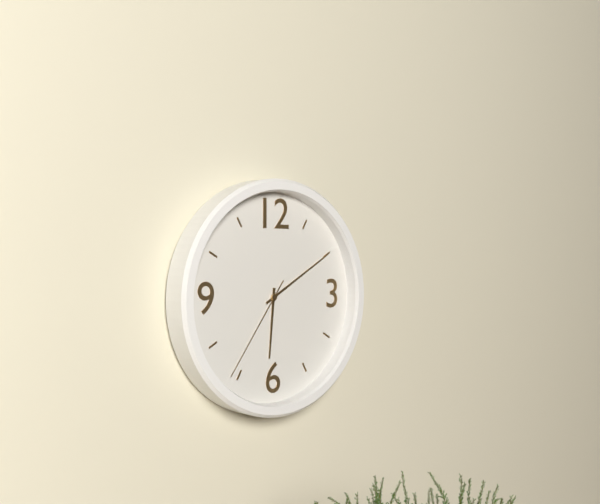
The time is 6h10m36s
